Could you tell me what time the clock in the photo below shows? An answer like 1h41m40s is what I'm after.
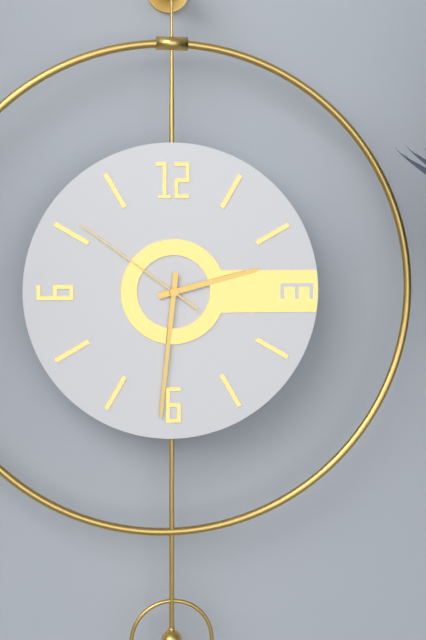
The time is 2h31m51s
